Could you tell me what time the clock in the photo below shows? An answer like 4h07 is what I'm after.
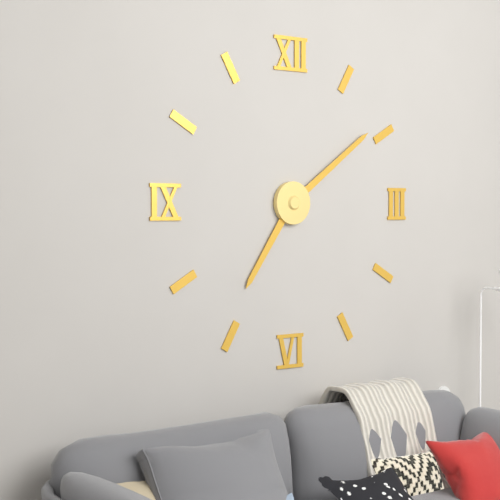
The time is 7h09
